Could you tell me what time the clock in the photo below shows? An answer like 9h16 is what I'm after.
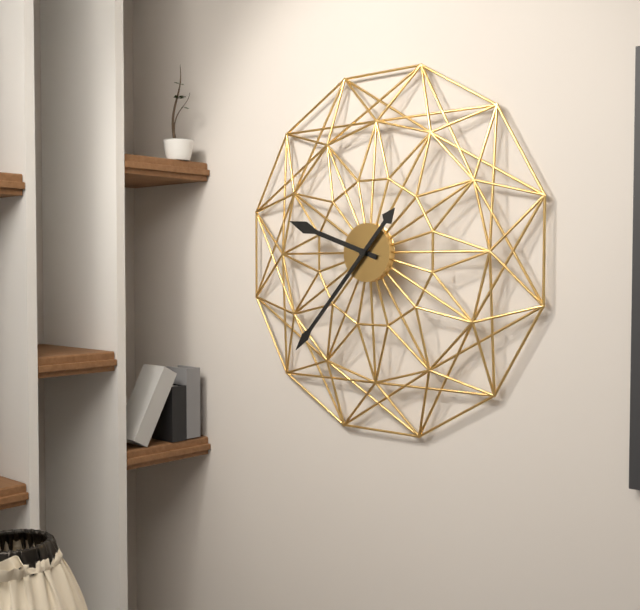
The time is 9h37
